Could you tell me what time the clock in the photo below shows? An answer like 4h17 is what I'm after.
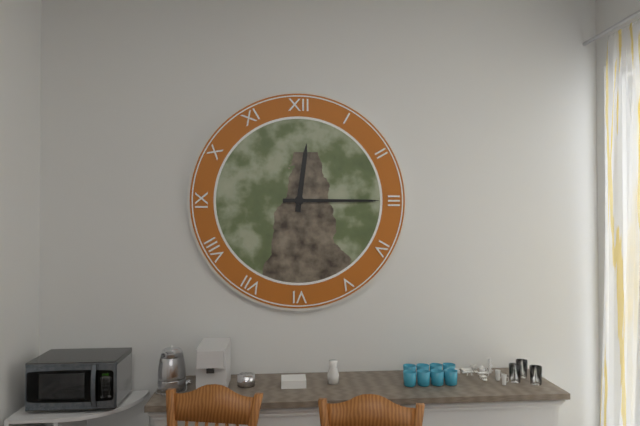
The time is 12h15
